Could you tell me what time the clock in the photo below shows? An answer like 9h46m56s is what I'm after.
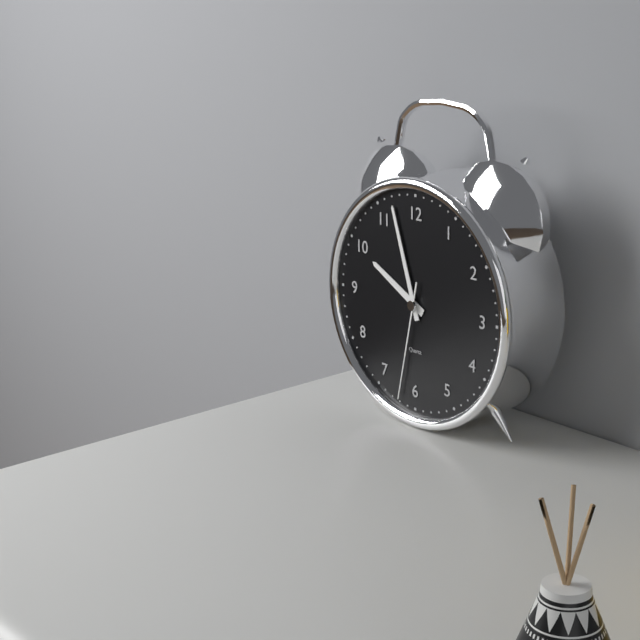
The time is 9h57m32s
